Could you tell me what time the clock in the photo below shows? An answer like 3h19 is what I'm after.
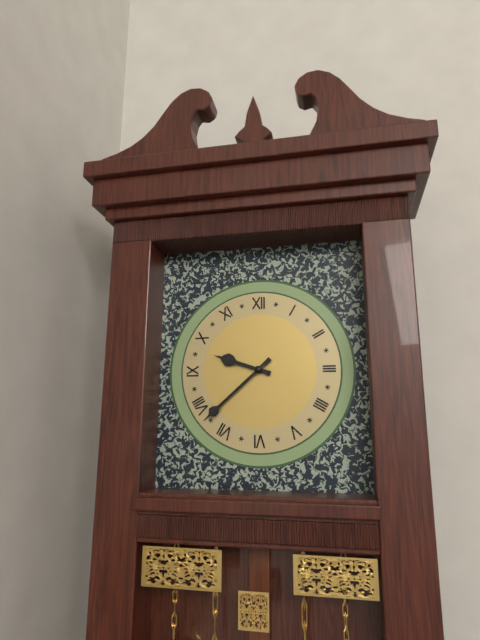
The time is 9h38
